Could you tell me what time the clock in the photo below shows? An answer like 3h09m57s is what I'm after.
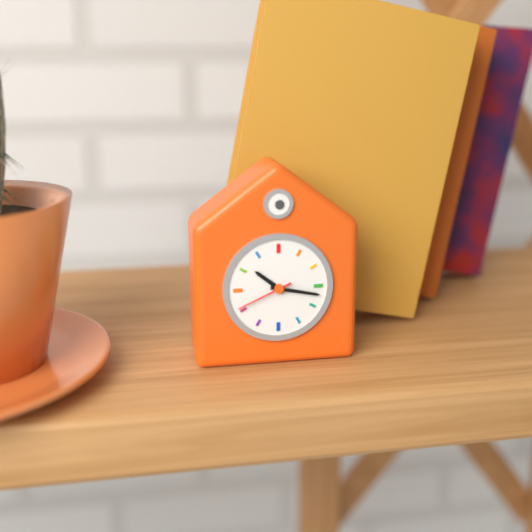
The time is 10h17m41s
